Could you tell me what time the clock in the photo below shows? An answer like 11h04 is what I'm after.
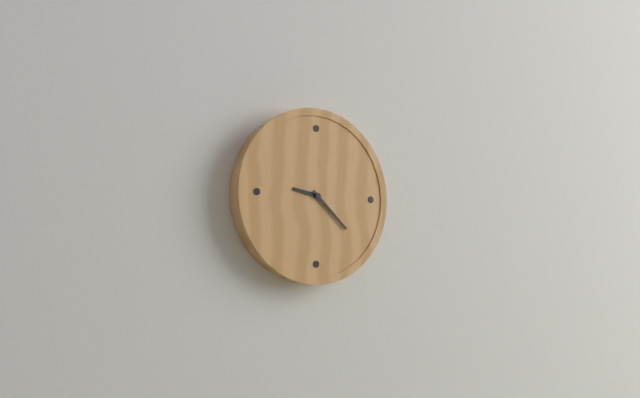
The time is 9h22
